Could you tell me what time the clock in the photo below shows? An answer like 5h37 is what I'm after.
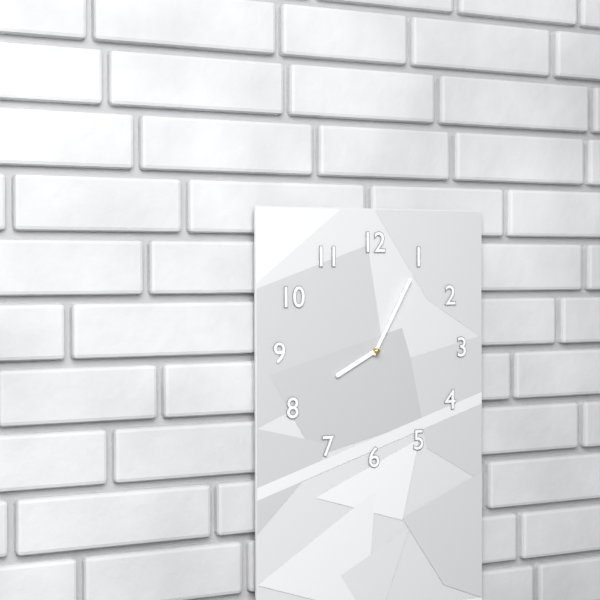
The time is 8h05
